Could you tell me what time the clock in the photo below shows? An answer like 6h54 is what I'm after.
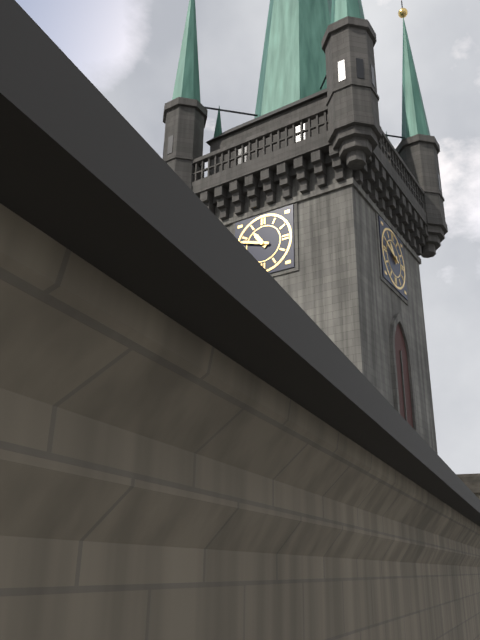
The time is 10h48
